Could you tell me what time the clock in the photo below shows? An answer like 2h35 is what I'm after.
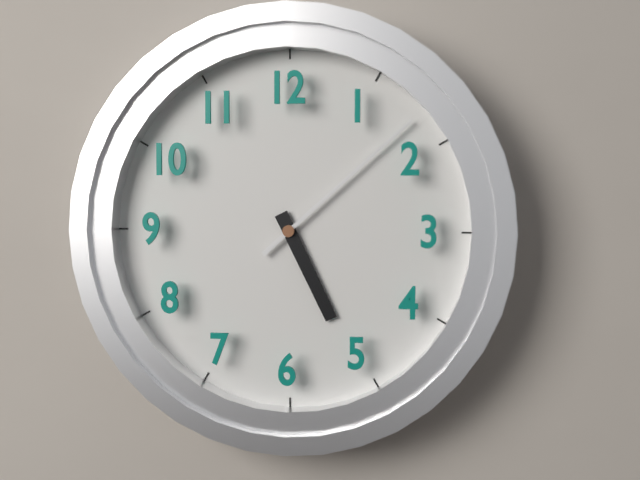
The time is 5h08
